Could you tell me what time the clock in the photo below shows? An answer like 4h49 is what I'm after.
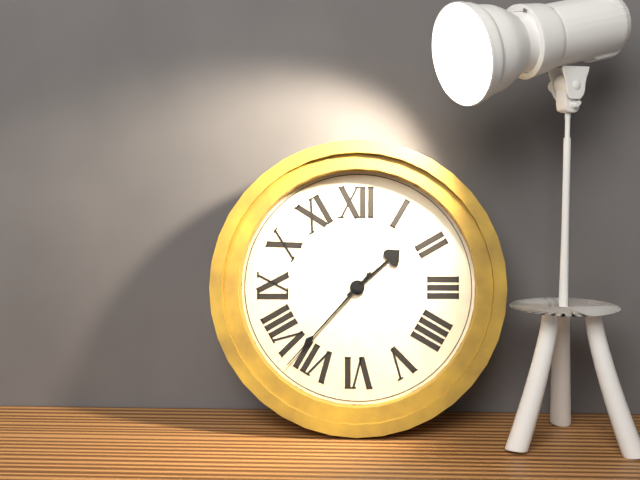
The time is 1h37
